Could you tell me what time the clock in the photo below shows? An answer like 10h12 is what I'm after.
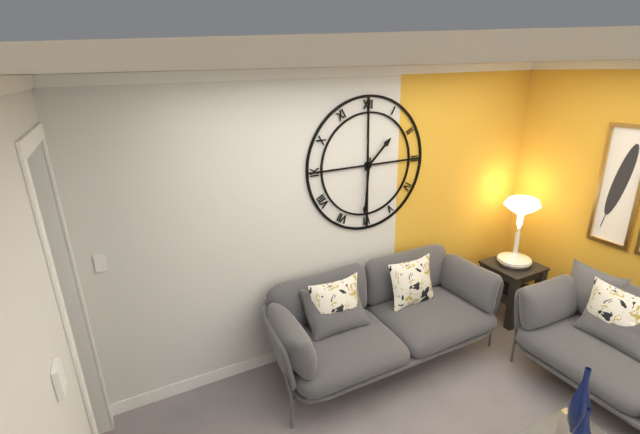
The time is 1h31
